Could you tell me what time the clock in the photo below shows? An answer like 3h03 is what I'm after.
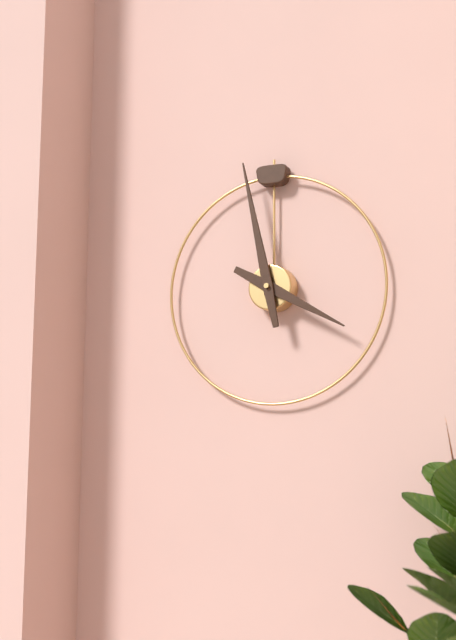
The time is 3h58
